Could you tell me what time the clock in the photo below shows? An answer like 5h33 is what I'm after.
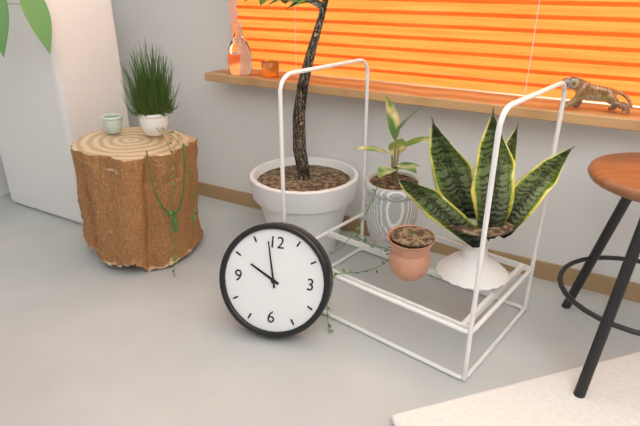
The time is 9h58
